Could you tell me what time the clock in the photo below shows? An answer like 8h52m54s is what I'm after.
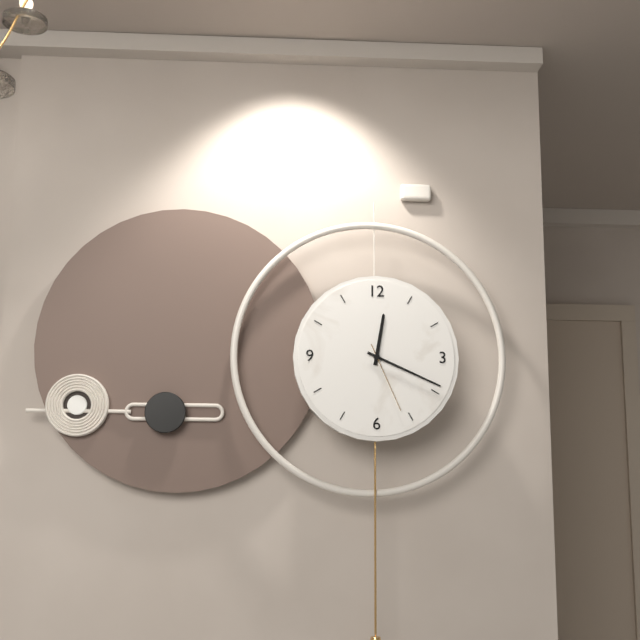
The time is 12h19m26s
